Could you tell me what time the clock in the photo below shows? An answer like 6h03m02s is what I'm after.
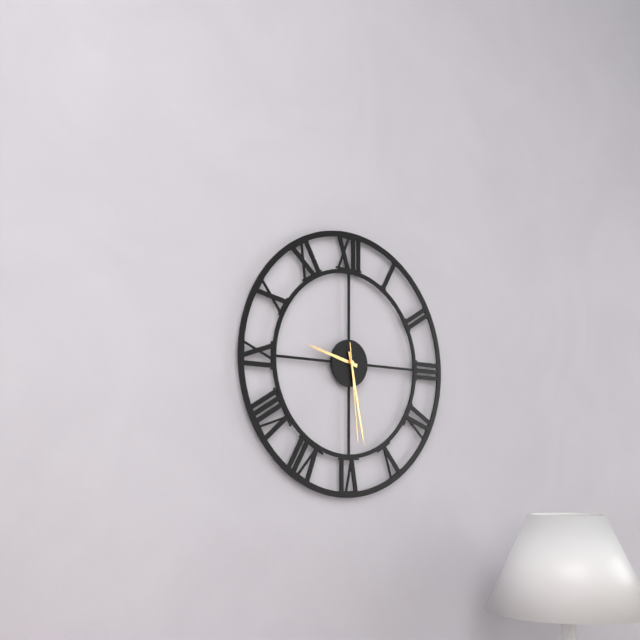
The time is 9h28m29s
